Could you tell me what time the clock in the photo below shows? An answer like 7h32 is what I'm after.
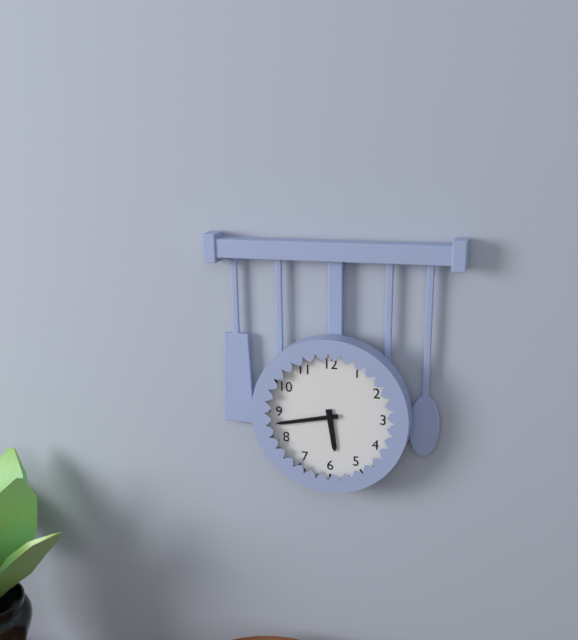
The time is 5h43
